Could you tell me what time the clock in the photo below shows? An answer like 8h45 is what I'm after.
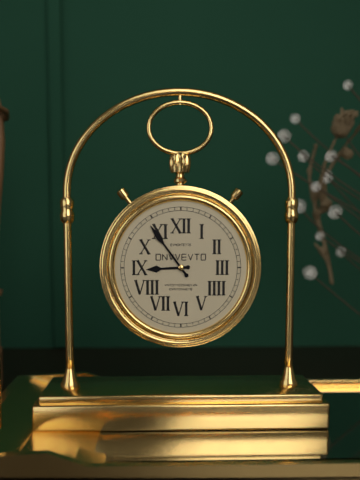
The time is 8h54
